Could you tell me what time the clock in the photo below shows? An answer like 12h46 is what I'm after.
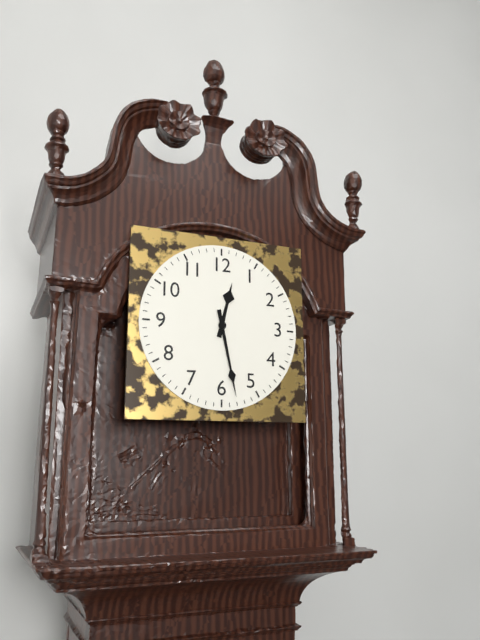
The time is 12h28
